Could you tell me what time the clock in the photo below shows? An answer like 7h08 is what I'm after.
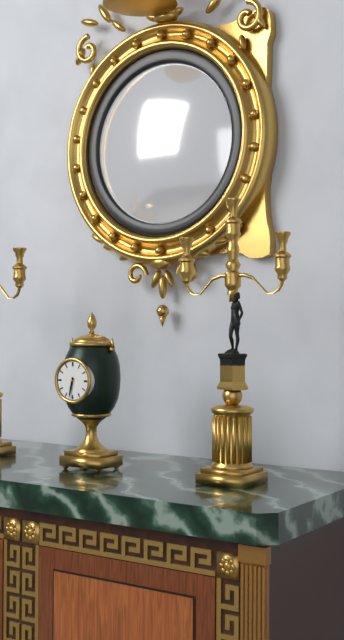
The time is 6h32
